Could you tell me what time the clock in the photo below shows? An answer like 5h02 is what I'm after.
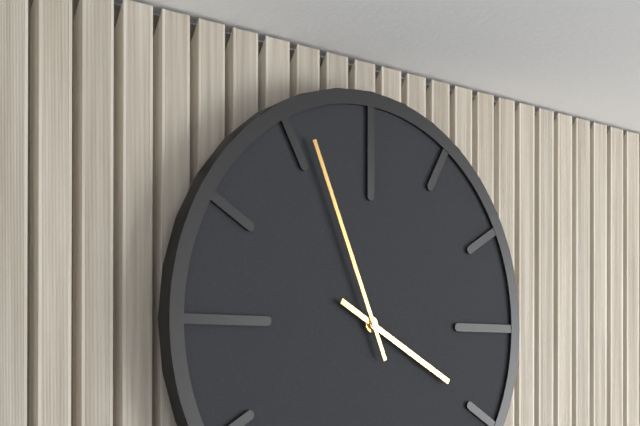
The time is 3h56
